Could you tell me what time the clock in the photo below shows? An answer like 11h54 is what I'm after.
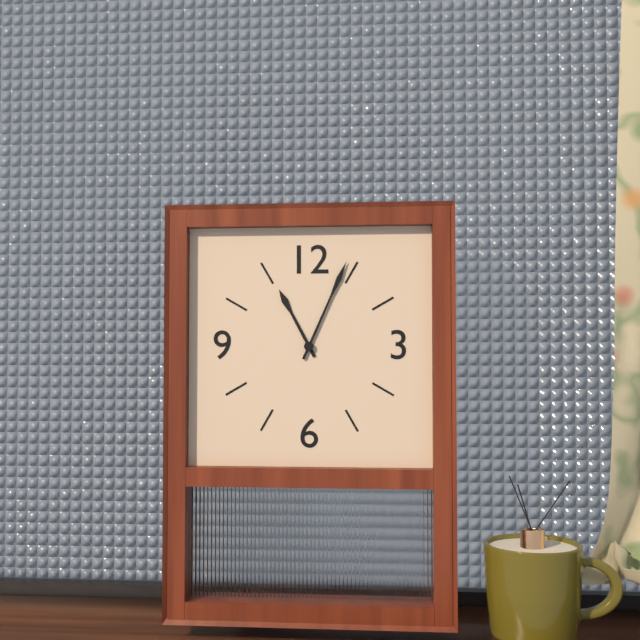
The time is 11h04
